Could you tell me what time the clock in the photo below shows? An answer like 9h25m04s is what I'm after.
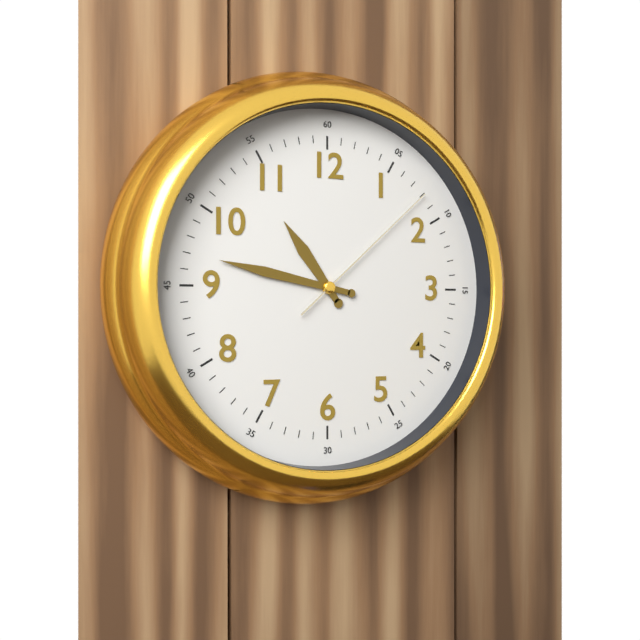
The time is 10h47m08s
